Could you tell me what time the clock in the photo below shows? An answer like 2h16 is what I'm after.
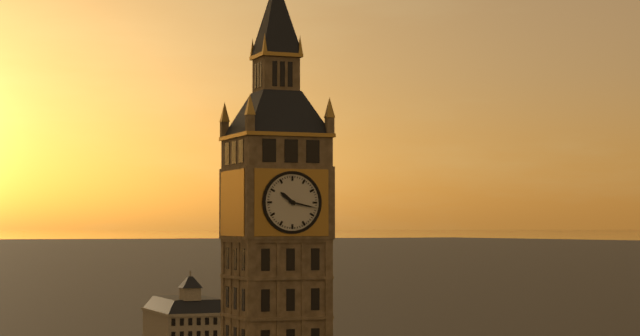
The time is 10h17
